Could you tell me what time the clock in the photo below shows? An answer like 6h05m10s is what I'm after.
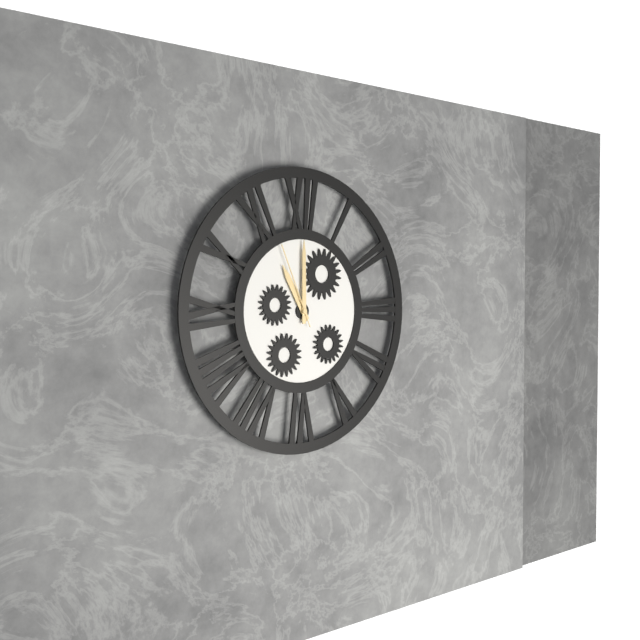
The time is 11h00m56s
